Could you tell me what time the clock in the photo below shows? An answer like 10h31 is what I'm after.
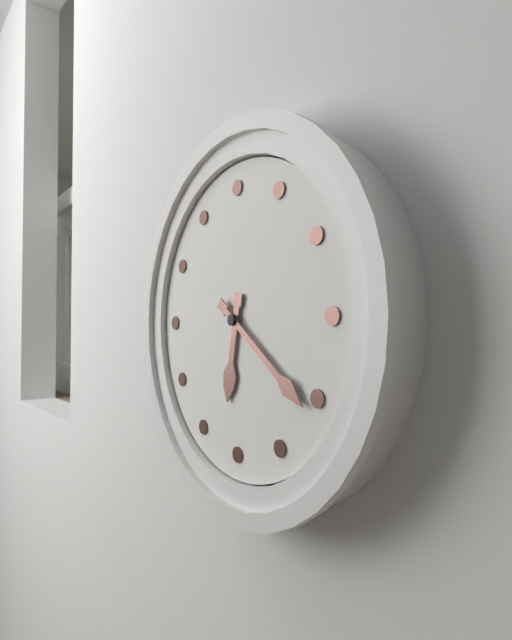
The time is 6h21
